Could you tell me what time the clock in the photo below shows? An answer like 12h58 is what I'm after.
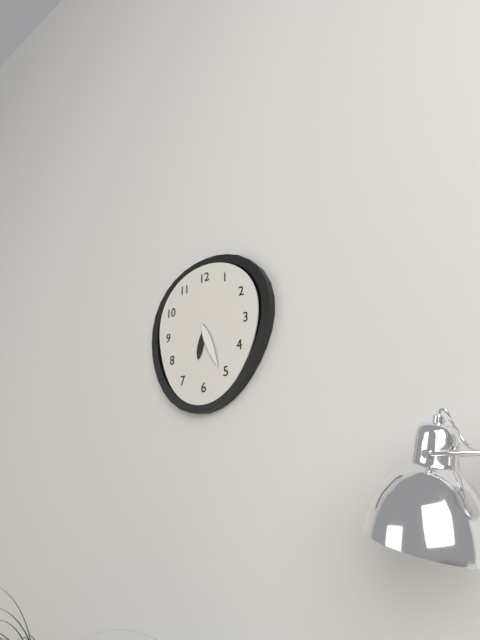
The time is 6h26
